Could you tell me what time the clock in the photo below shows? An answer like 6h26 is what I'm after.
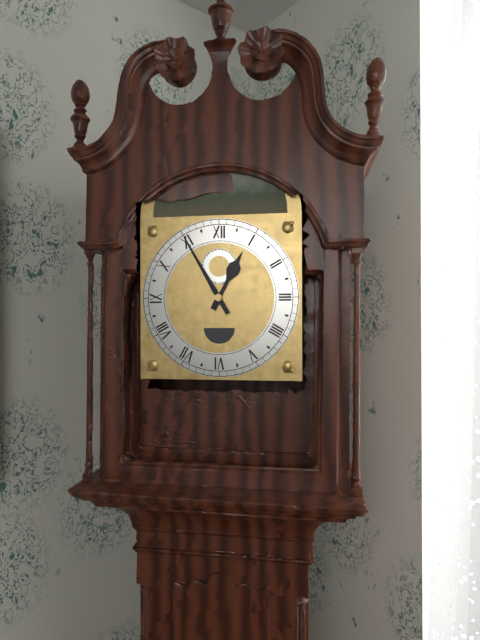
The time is 12h55
